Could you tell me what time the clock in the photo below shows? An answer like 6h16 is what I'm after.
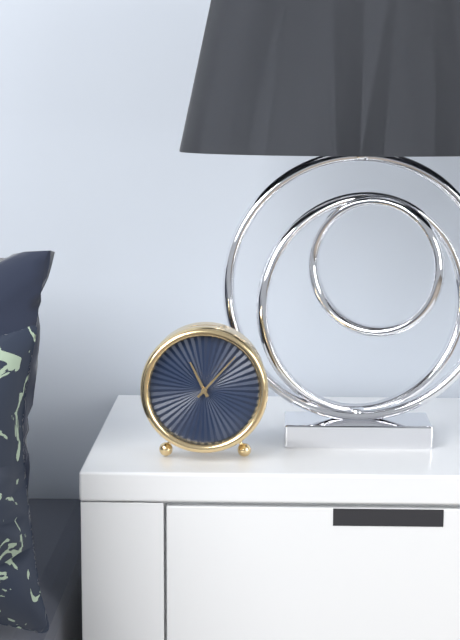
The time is 11h07
